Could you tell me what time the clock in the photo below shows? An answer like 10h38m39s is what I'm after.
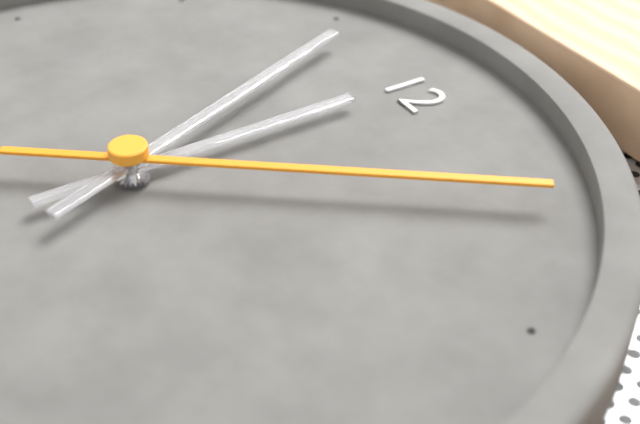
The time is 11h56m06s
